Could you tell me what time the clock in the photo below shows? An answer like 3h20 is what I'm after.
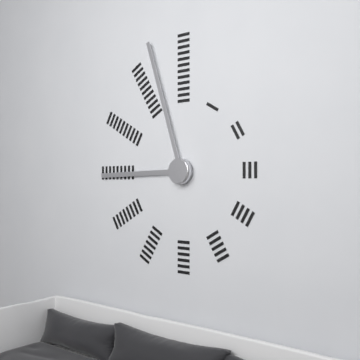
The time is 8h57
